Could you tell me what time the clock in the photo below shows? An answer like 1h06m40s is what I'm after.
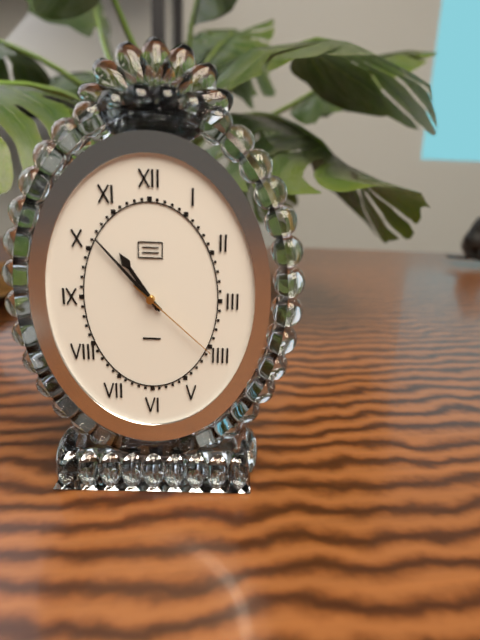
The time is 10h53m22s
